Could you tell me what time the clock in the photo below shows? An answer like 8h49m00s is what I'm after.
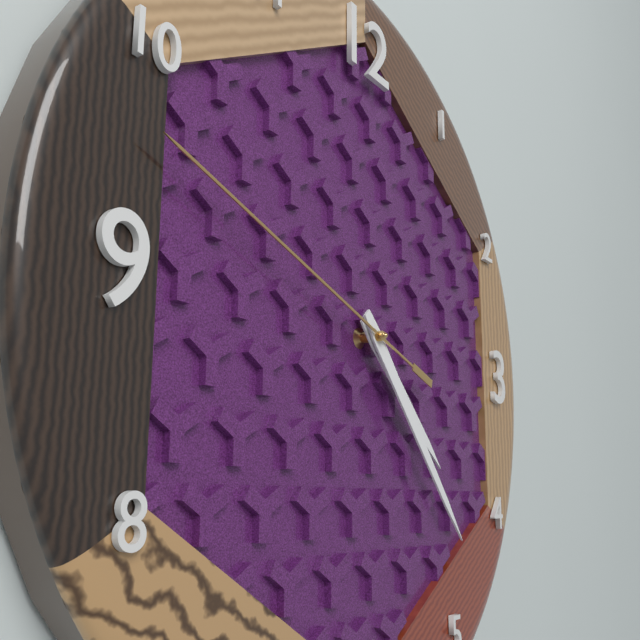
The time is 4h23m48s
